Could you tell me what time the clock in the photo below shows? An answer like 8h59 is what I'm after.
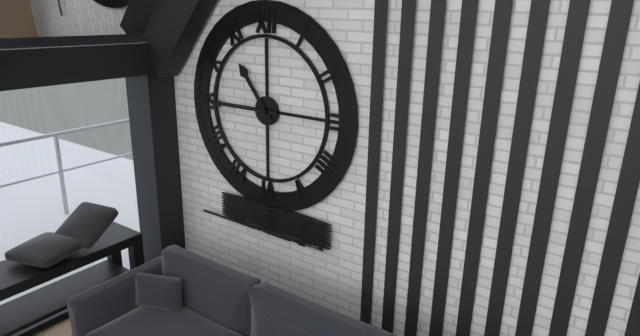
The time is 10h45
